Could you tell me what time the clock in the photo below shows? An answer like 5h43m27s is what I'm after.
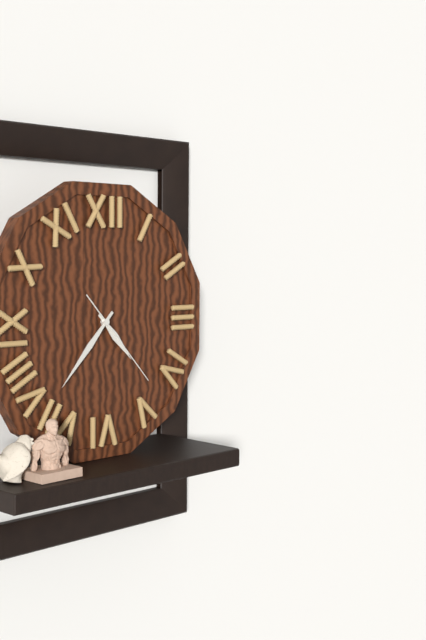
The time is 4h37m23s
